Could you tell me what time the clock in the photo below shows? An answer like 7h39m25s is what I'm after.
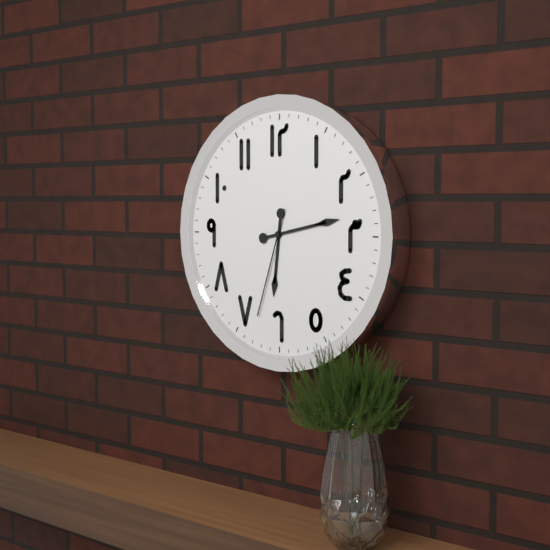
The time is 6h13m33s
